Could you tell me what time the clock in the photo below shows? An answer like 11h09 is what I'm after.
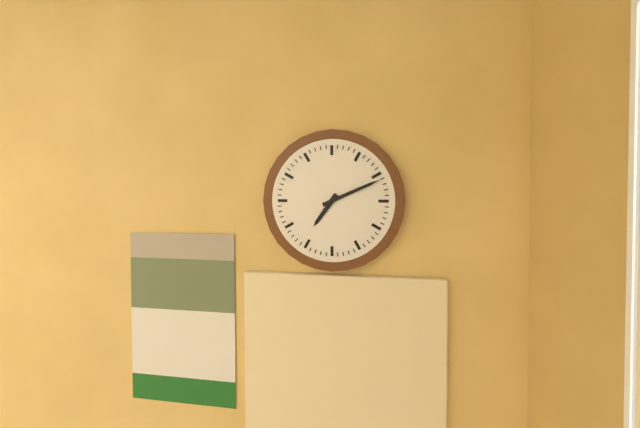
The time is 7h11
